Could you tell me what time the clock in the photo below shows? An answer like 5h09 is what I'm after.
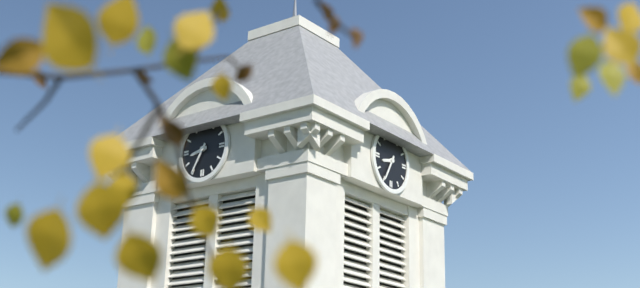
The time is 8h35
